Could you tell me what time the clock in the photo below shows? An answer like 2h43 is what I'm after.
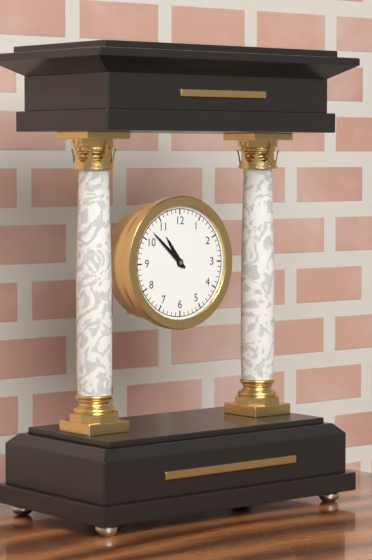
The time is 10h52
